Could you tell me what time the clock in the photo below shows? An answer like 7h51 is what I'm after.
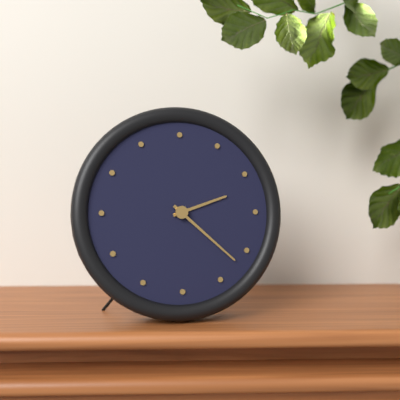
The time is 2h22
